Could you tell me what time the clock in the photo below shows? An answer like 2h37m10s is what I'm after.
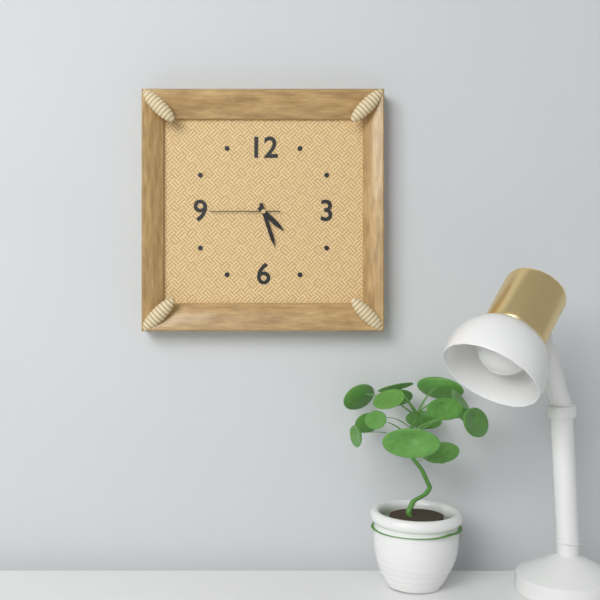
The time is 4h27m45s
